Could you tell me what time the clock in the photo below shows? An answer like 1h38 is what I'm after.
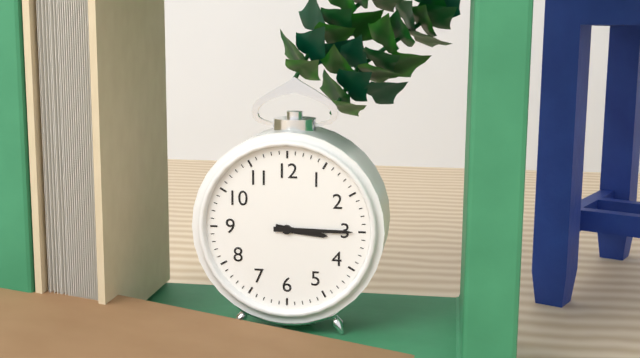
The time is 3h15
